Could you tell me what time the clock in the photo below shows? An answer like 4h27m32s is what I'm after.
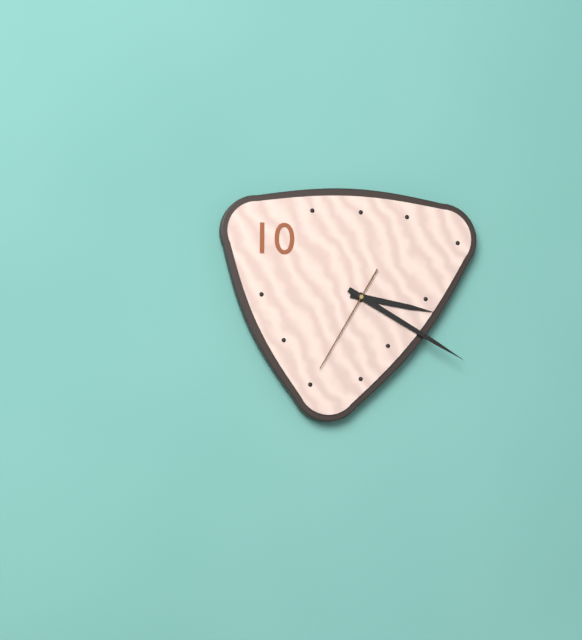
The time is 3h20m35s
